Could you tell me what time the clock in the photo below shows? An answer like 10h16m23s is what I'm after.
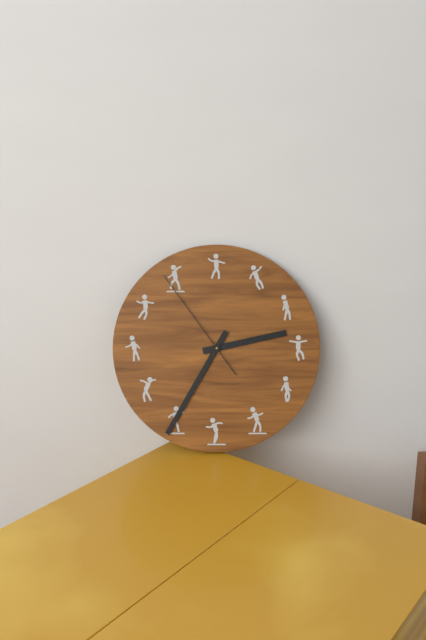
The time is 2h35m54s
